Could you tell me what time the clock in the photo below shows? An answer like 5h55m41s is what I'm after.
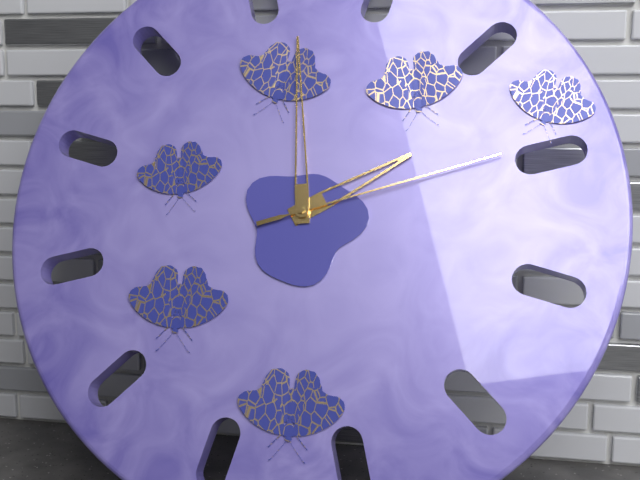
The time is 1h59m12s
